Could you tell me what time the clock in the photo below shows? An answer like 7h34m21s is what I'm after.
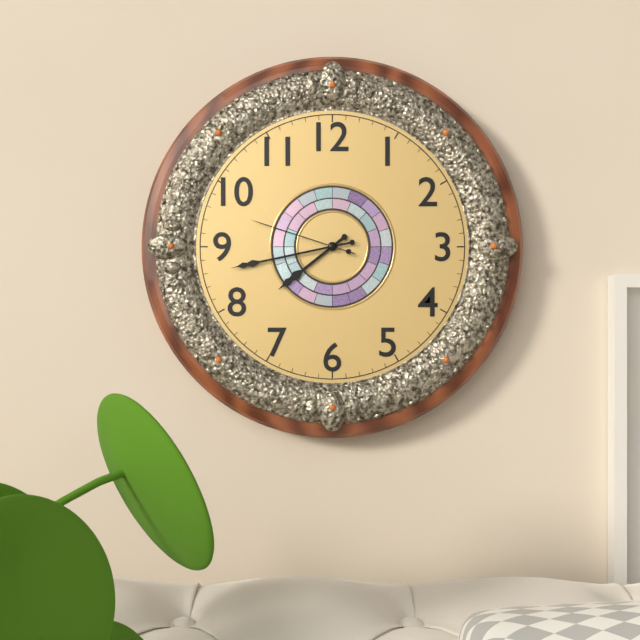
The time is 7h43m48s
